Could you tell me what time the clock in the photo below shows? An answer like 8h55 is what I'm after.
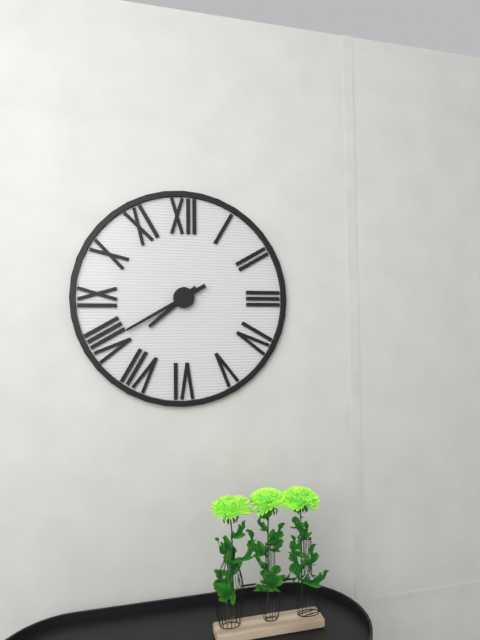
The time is 7h40
